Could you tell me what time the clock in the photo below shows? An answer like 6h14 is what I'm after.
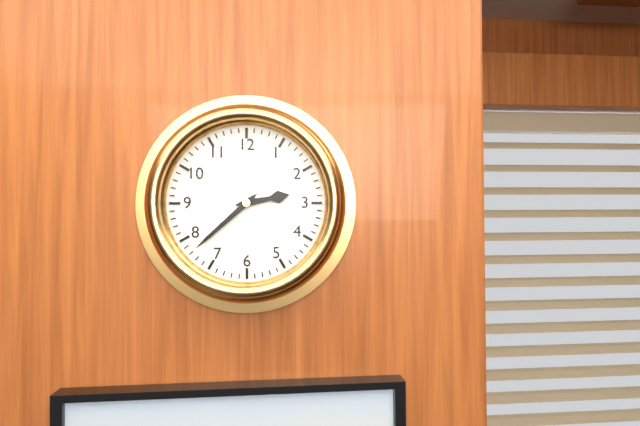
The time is 2h38
